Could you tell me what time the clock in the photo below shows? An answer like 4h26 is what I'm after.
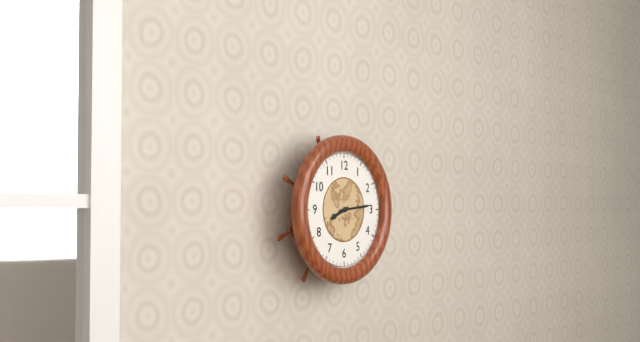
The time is 8h14
